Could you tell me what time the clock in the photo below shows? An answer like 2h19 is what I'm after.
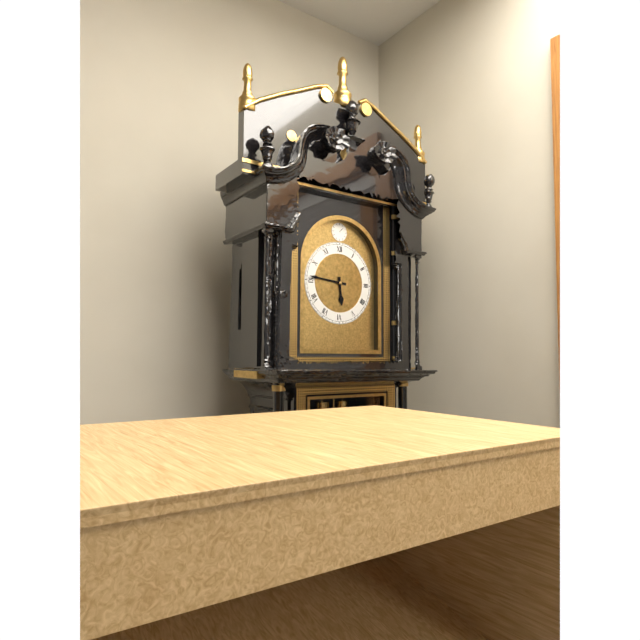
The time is 5h46
